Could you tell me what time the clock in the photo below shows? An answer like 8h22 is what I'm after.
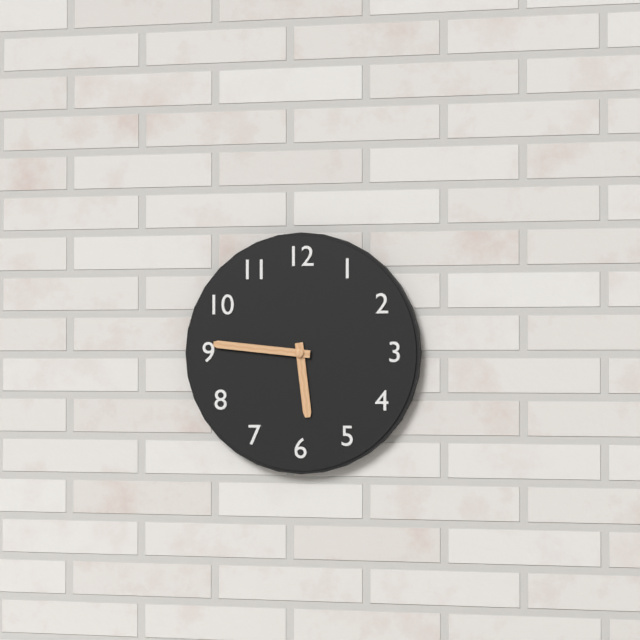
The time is 5h46
